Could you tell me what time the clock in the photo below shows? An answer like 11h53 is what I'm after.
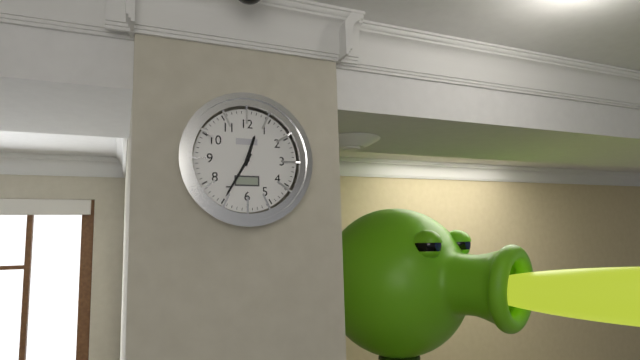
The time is 12h35
